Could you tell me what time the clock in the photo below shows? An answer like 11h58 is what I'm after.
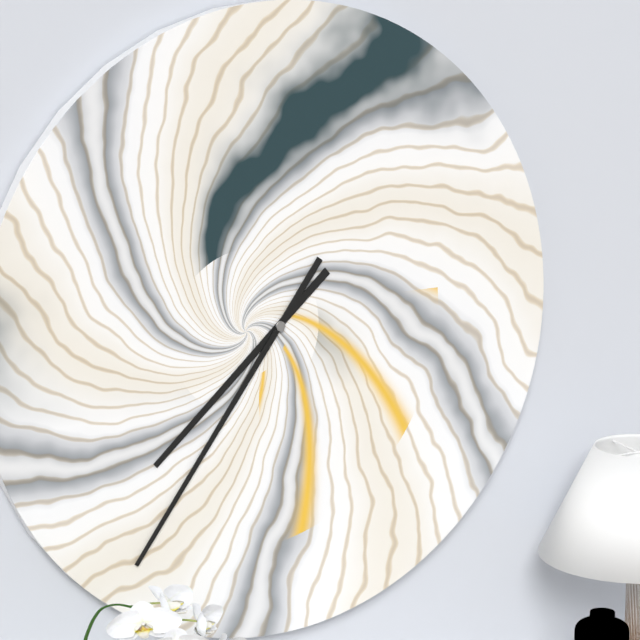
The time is 7h36
